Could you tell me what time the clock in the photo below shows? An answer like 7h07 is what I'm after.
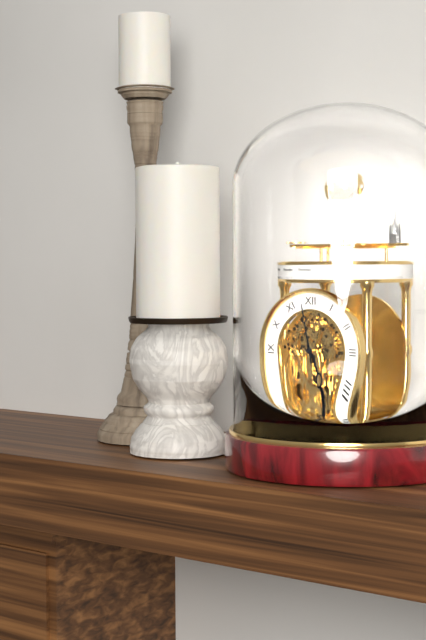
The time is 4h58
